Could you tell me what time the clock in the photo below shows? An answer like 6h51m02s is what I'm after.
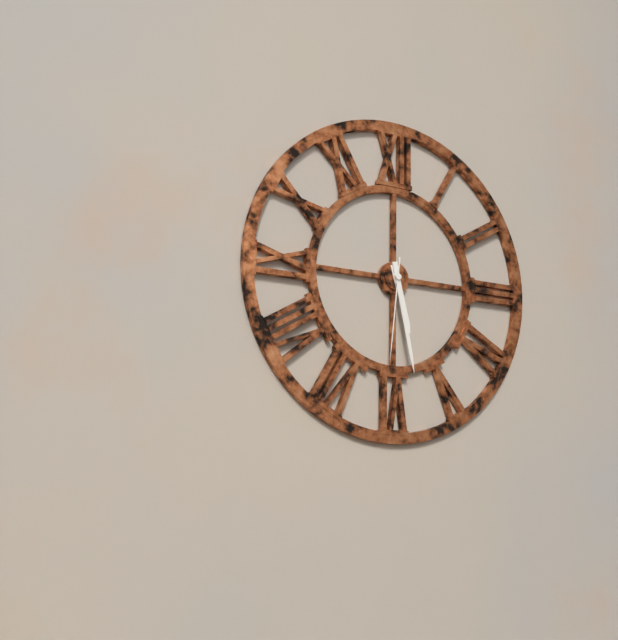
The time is 5h28m31s
